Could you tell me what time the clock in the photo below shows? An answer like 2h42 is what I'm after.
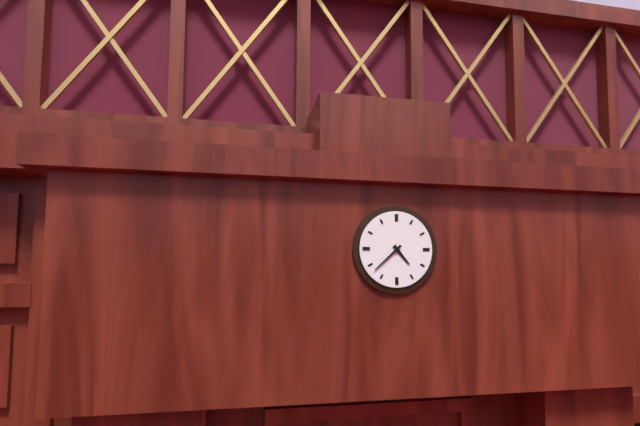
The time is 4h38
